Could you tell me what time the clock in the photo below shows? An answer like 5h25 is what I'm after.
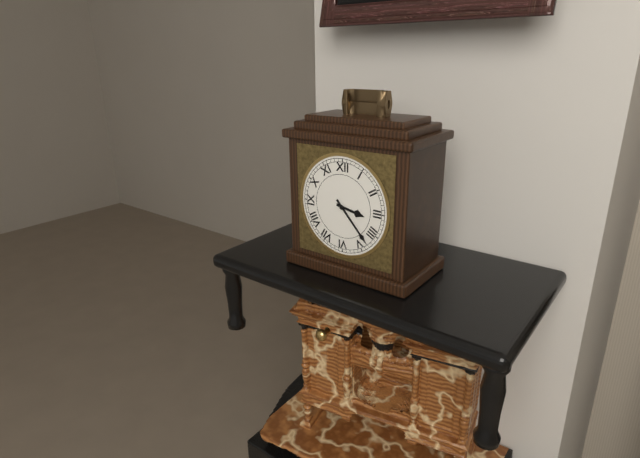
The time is 3h23
